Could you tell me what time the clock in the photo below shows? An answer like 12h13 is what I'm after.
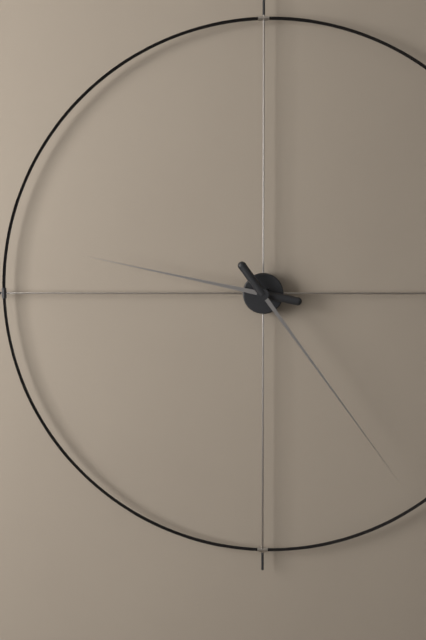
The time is 9h24
